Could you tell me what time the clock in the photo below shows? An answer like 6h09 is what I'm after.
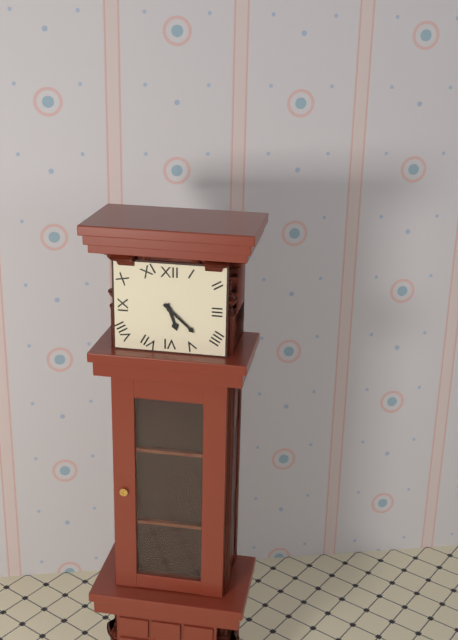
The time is 5h22
